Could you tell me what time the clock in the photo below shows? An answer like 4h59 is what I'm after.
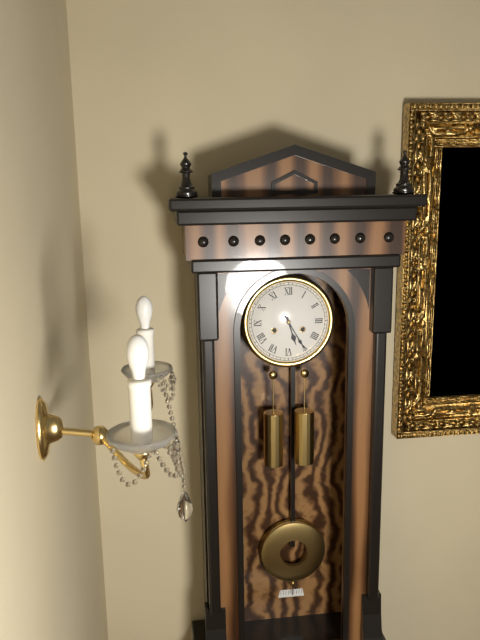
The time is 5h25
